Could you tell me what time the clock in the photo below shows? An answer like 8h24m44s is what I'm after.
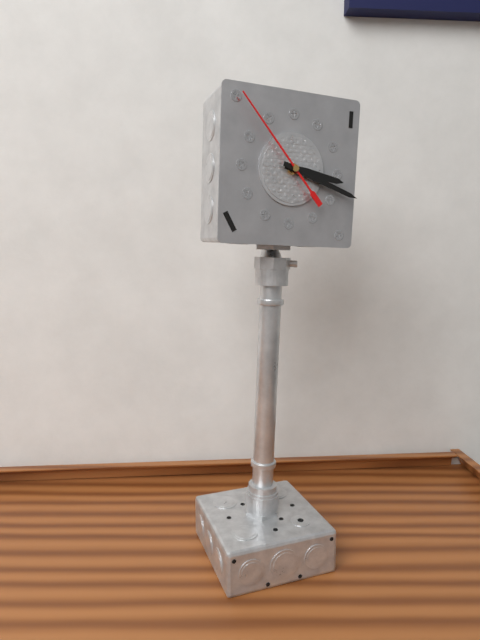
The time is 3h18m53s
